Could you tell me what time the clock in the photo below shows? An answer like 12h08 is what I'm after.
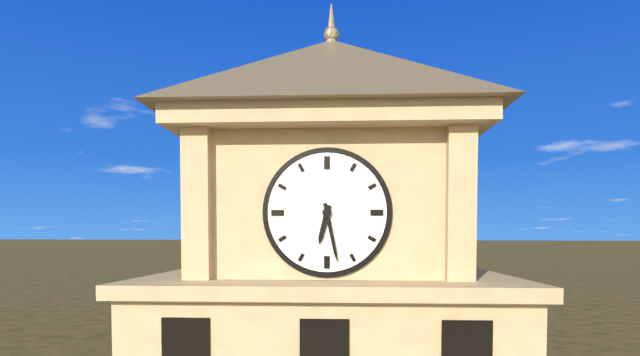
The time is 6h28
